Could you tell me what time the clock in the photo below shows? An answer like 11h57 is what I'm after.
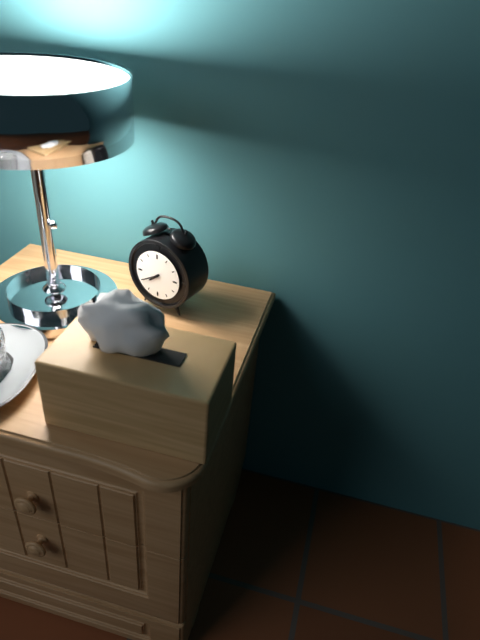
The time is 7h40
